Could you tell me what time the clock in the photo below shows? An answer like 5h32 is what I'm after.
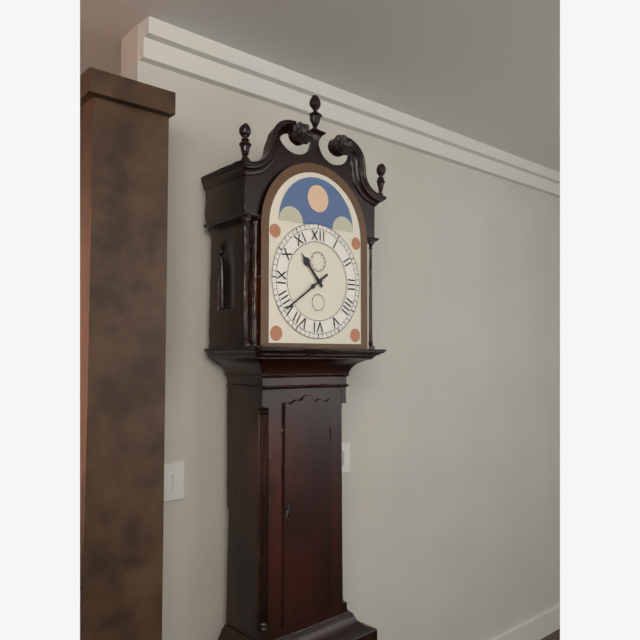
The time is 10h39
